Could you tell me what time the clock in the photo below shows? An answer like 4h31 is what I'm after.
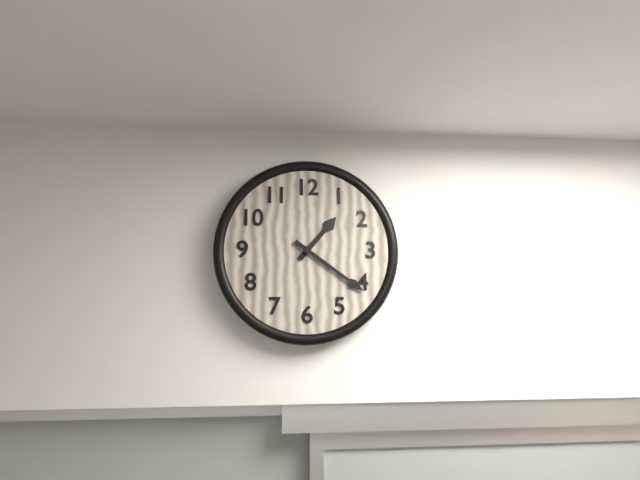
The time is 1h21
